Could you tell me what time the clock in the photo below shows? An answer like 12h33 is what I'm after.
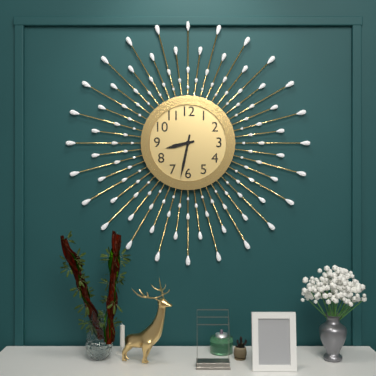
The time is 8h32
